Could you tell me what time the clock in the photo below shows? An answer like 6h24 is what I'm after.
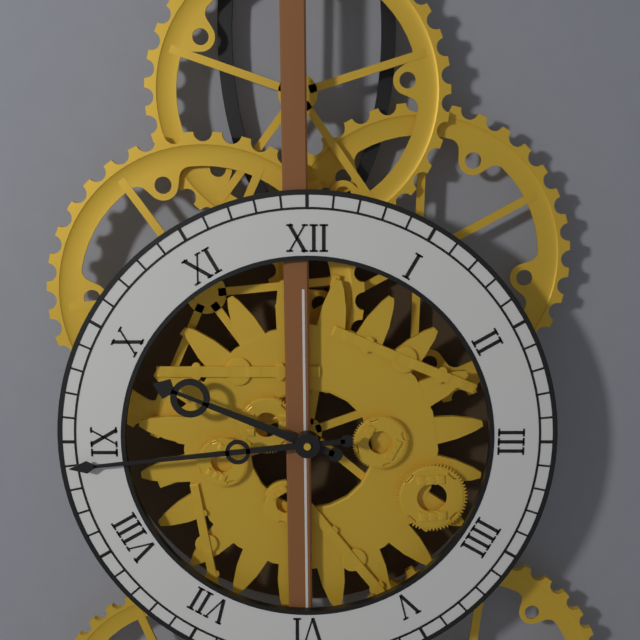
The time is 9h44
